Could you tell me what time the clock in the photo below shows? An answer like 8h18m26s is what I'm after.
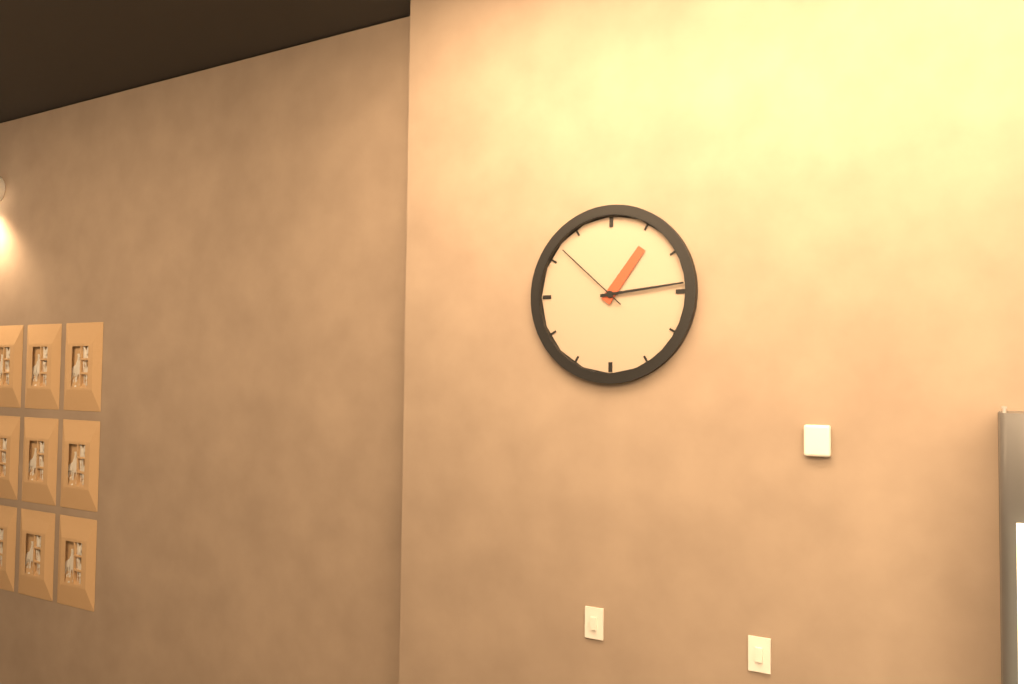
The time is 1h14m52s
